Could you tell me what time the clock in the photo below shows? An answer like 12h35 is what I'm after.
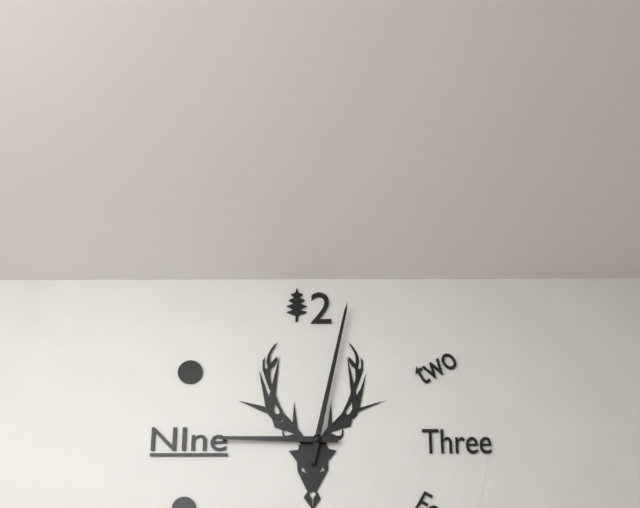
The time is 9h02
